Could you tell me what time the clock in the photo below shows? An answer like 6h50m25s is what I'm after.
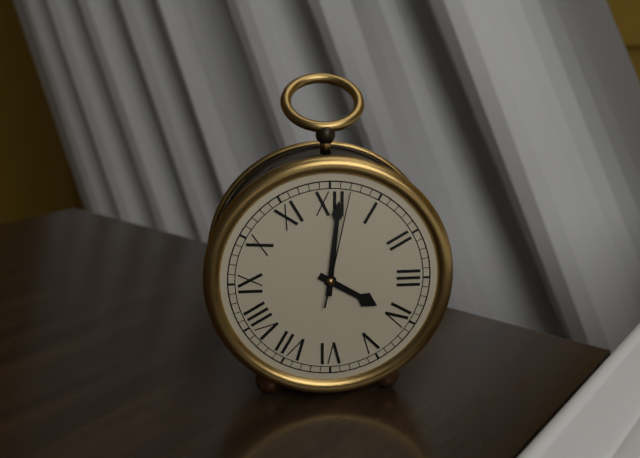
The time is 4h01m02s
